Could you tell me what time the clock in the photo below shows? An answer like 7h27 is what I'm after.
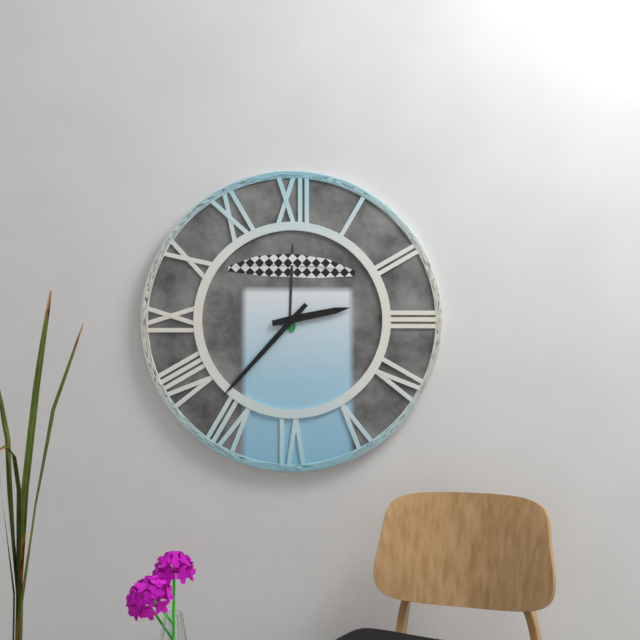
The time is 2h37
